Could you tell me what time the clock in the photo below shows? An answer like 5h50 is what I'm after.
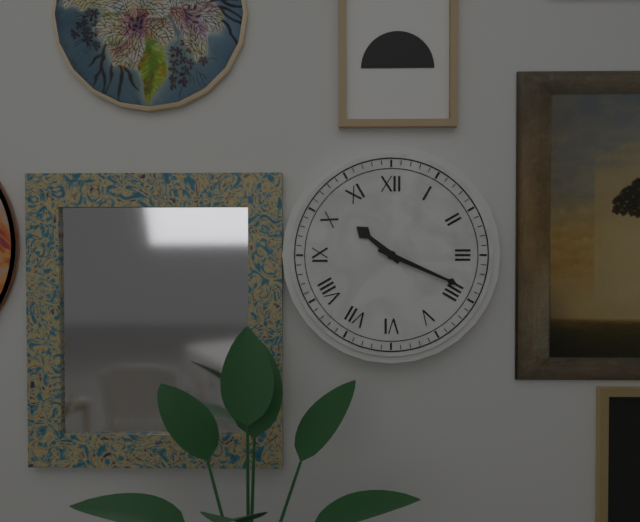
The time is 10h19
